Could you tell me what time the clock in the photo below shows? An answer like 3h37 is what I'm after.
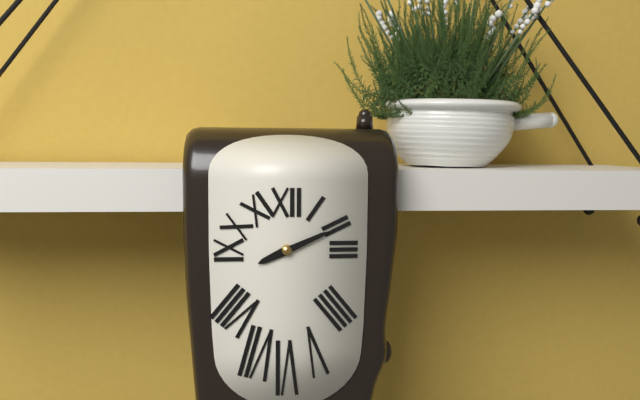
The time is 8h11
